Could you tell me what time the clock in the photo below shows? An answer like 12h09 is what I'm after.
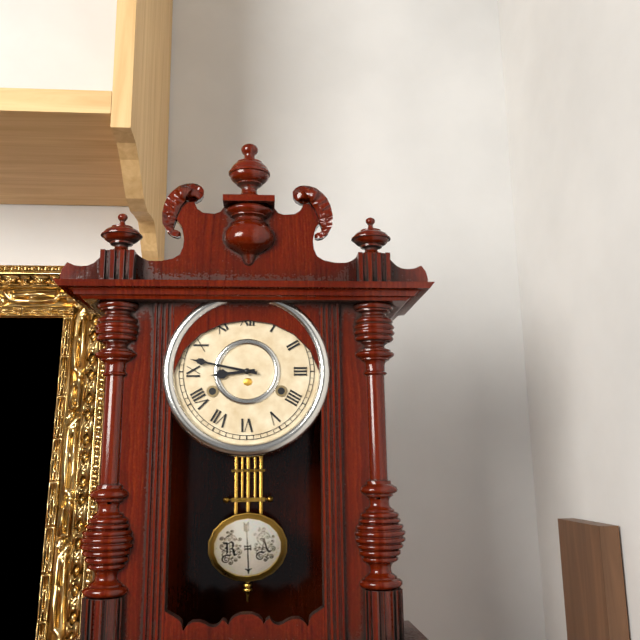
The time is 8h47
